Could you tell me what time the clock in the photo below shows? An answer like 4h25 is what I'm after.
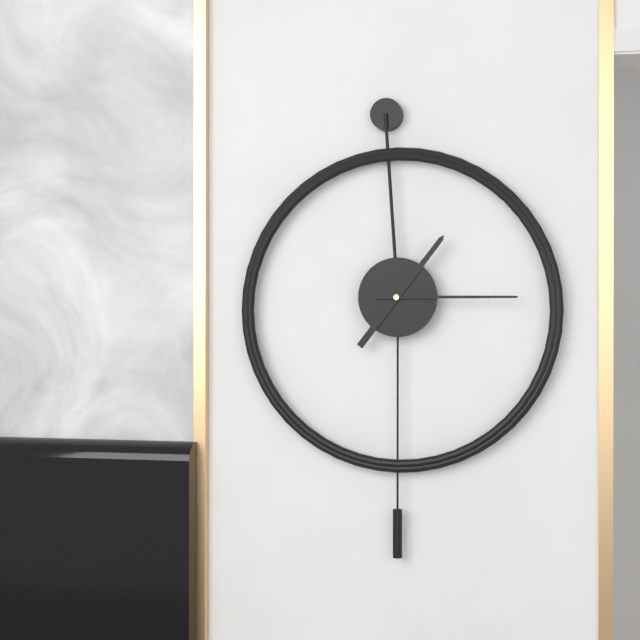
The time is 1h15
